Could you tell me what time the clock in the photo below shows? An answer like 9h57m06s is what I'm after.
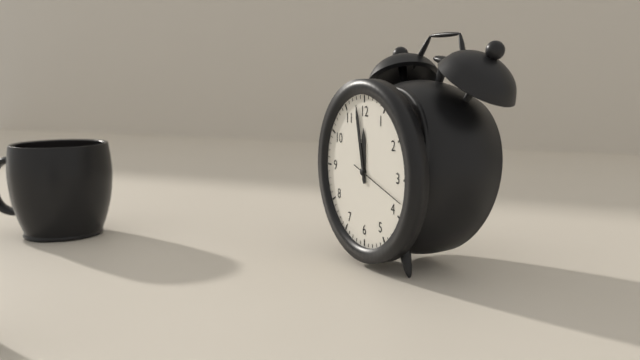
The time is 11h58m18s
